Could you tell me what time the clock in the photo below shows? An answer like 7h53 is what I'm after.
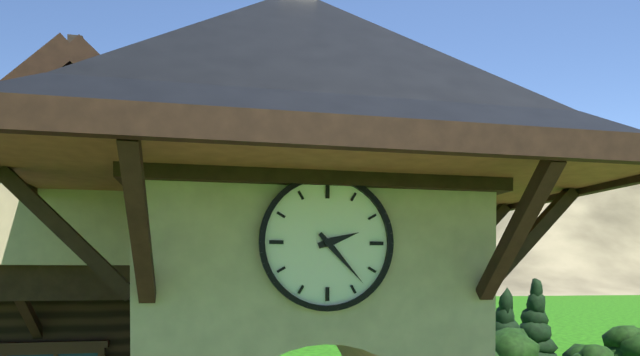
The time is 2h23
